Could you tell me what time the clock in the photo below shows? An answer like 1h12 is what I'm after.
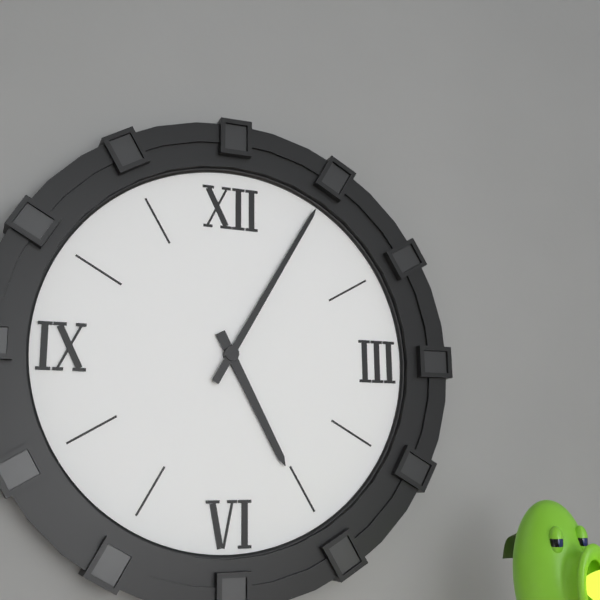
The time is 5h05
